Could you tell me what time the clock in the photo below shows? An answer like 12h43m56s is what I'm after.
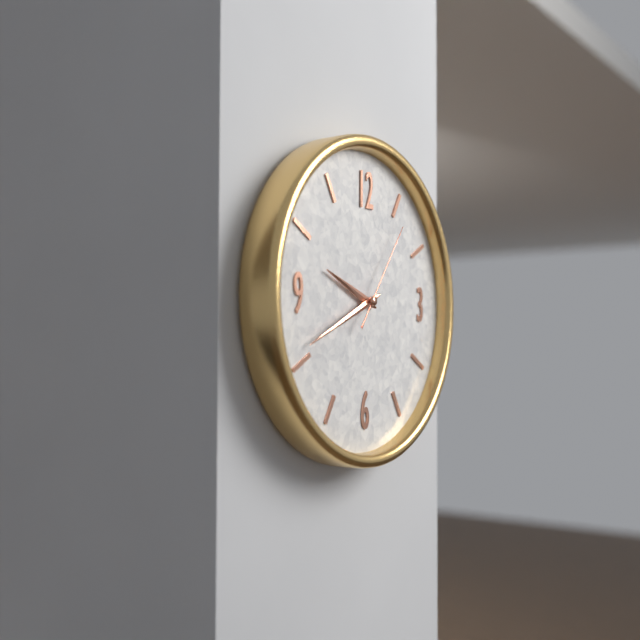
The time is 9h41m06s
